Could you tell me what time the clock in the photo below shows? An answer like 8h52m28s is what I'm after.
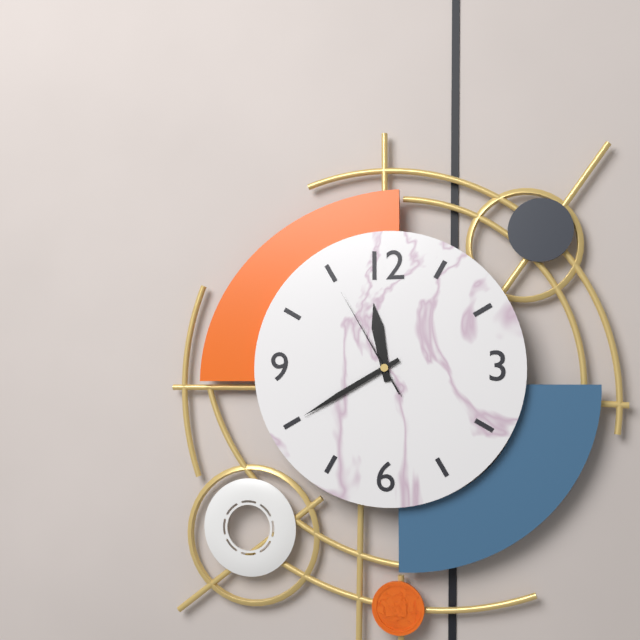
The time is 11h40m55s
